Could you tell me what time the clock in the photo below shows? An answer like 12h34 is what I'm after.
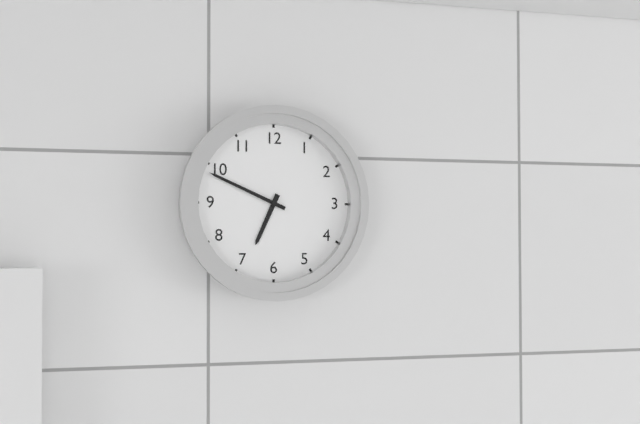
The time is 6h49
